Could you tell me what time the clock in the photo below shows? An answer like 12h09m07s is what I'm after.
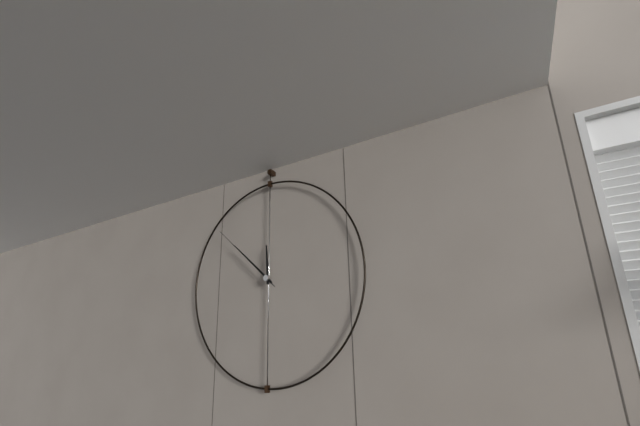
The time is 11h52m52s
